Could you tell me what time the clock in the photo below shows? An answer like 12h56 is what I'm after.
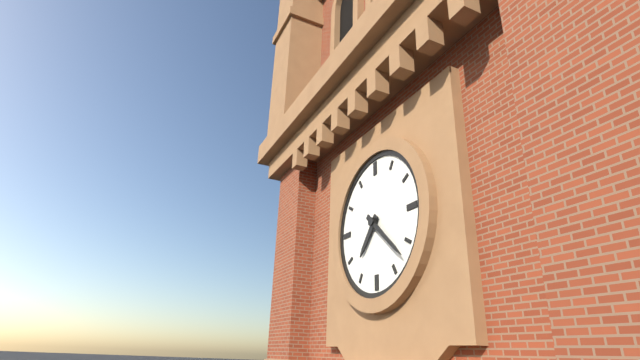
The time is 7h22
